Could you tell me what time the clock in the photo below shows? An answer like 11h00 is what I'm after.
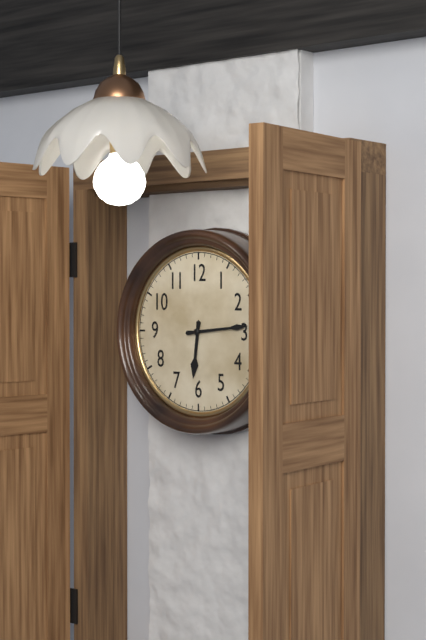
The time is 6h14
